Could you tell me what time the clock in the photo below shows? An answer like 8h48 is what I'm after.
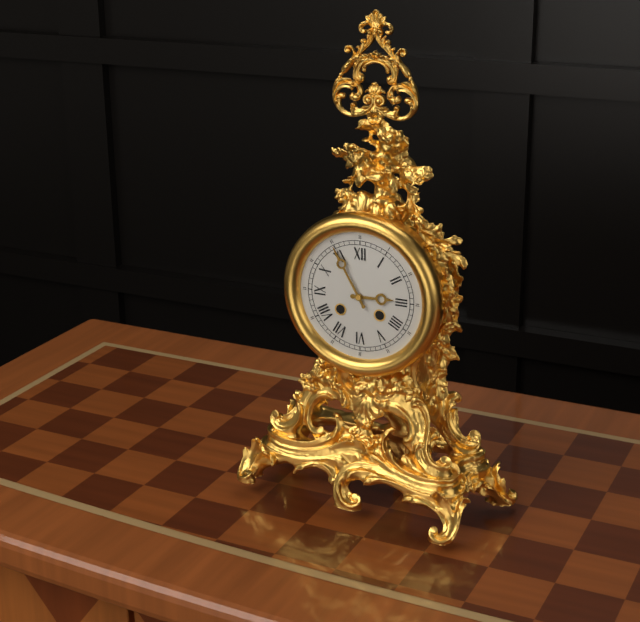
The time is 2h55
